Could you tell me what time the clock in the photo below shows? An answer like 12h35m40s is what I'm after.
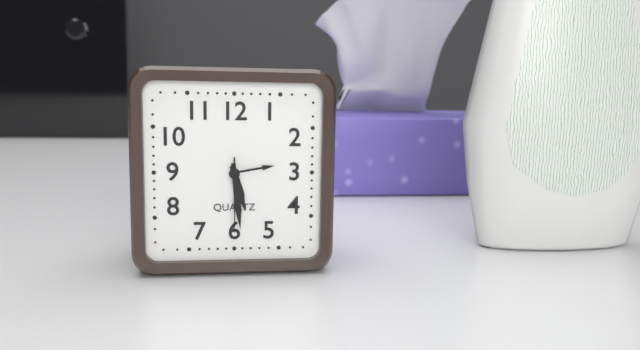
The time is 5h29m30s
